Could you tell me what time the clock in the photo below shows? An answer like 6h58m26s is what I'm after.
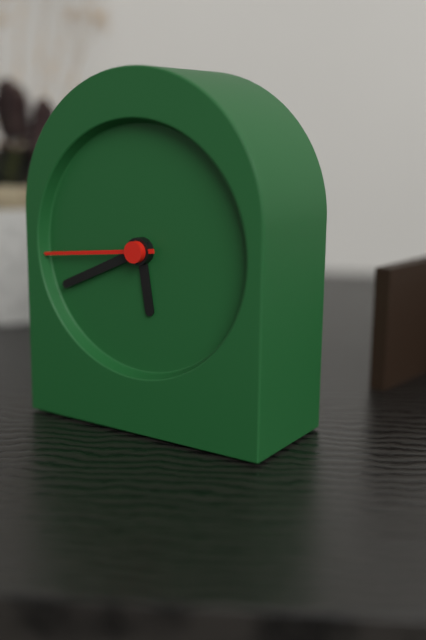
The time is 5h41m44s
